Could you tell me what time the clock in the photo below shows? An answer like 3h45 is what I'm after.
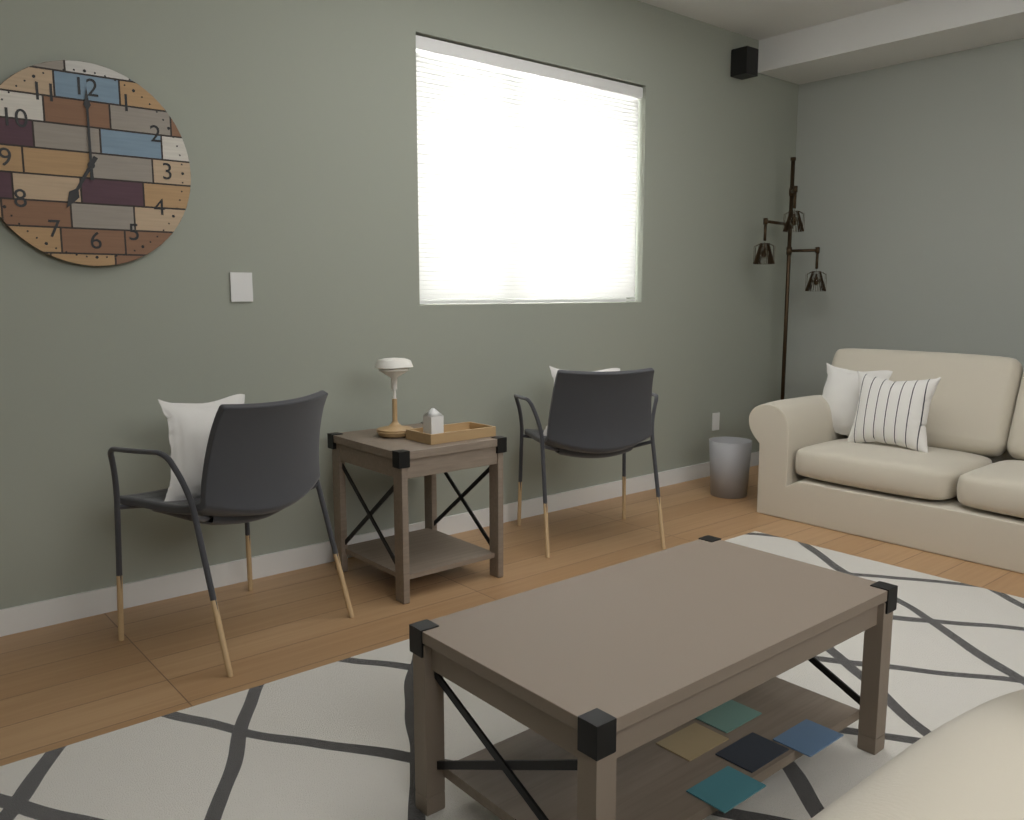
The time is 7h00
